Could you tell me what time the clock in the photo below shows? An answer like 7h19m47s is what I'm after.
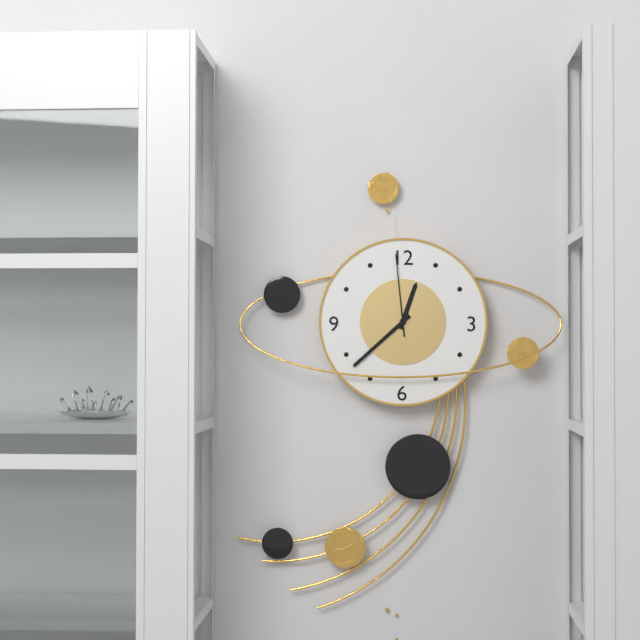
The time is 12h38m59s
